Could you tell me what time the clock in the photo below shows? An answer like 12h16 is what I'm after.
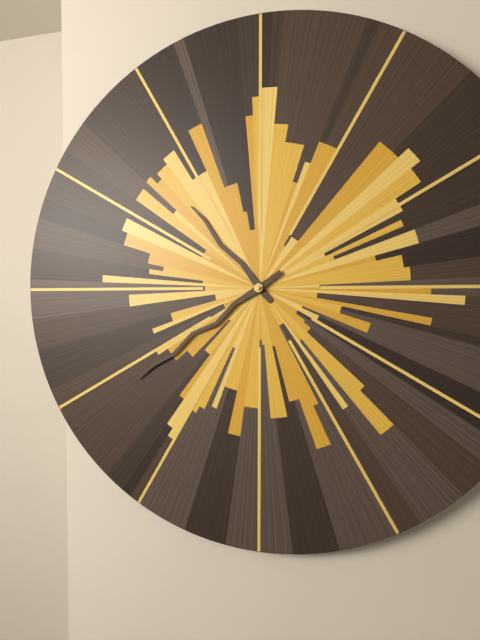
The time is 10h39
